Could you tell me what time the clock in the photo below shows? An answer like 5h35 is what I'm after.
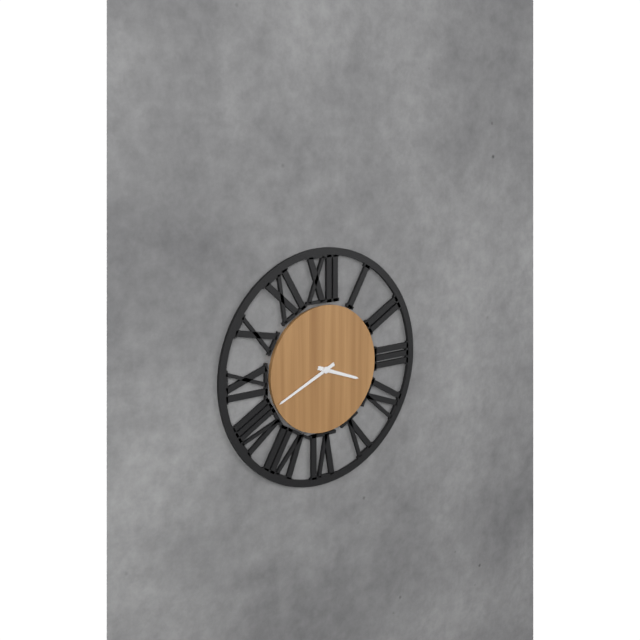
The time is 3h41
